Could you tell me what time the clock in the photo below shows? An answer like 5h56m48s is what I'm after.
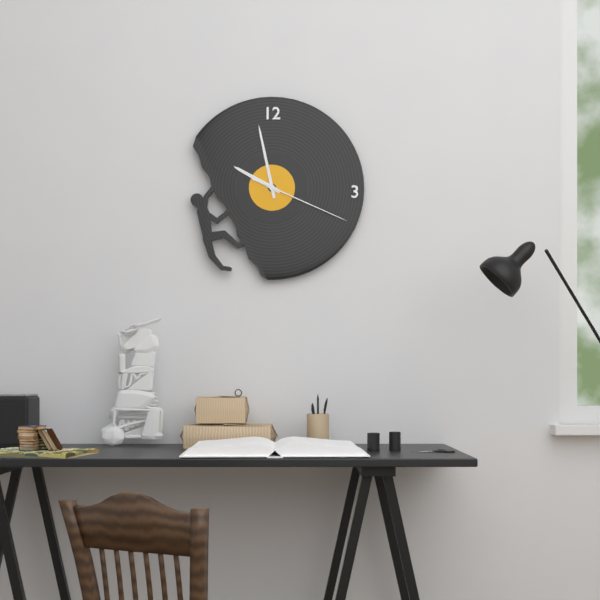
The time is 9h58m19s
